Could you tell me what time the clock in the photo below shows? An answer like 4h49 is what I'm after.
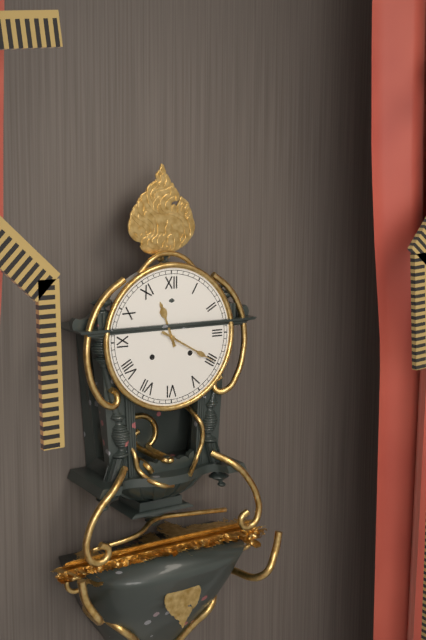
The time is 11h20
